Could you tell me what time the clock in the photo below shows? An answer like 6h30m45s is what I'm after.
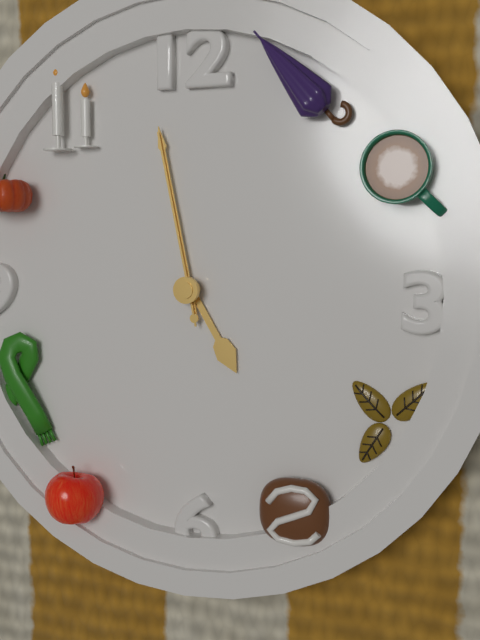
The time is 4h58m58s
